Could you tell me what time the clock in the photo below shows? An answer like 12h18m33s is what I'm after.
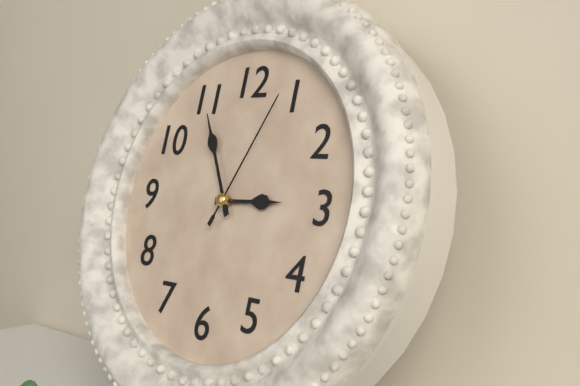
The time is 2h55m04s
